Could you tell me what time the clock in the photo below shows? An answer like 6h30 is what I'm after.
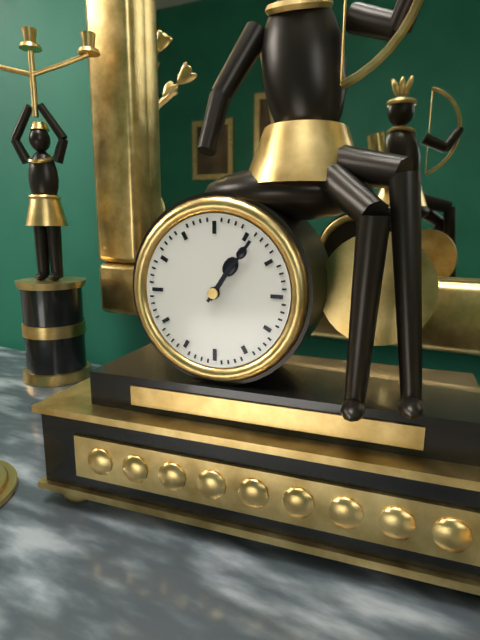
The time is 1h06
